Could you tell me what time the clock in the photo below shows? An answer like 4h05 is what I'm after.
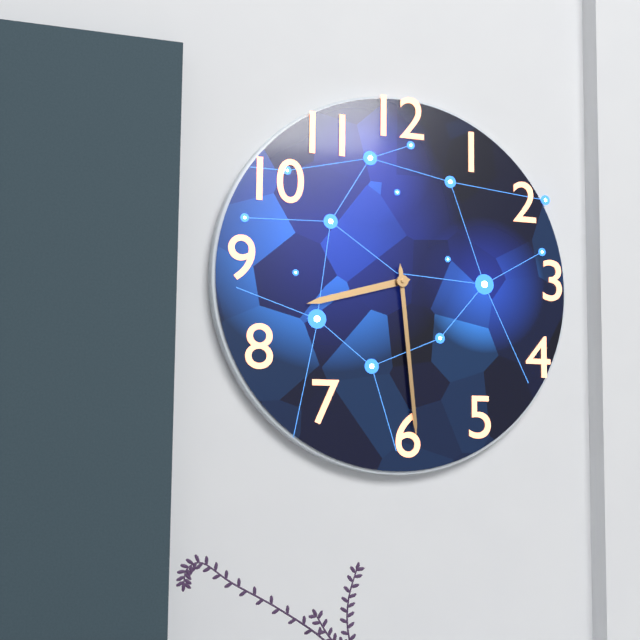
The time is 8h29
